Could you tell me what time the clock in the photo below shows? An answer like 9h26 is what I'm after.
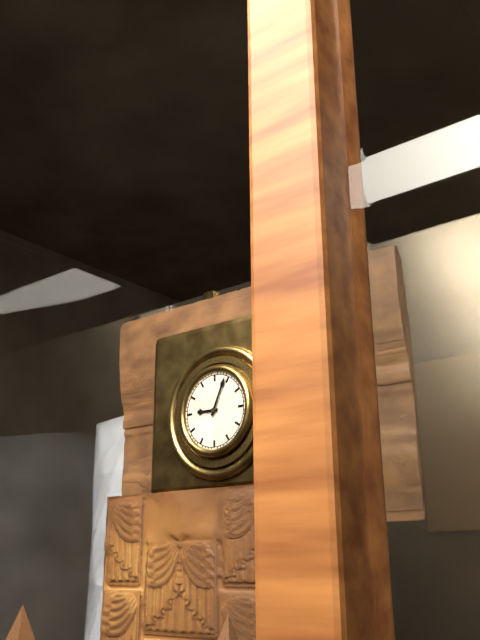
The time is 9h04
